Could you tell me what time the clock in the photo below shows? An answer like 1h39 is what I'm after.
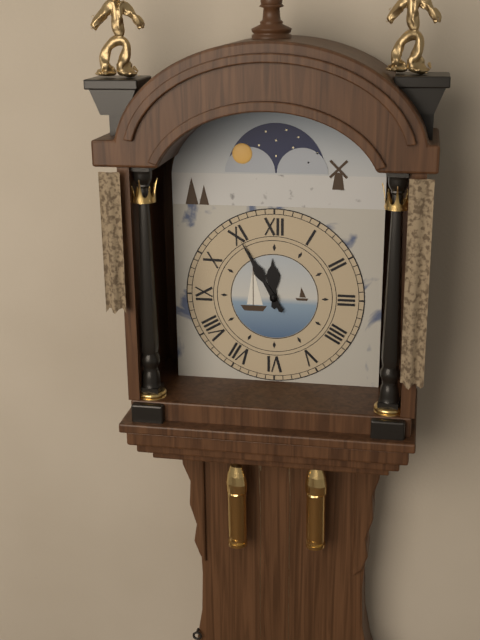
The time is 11h55
